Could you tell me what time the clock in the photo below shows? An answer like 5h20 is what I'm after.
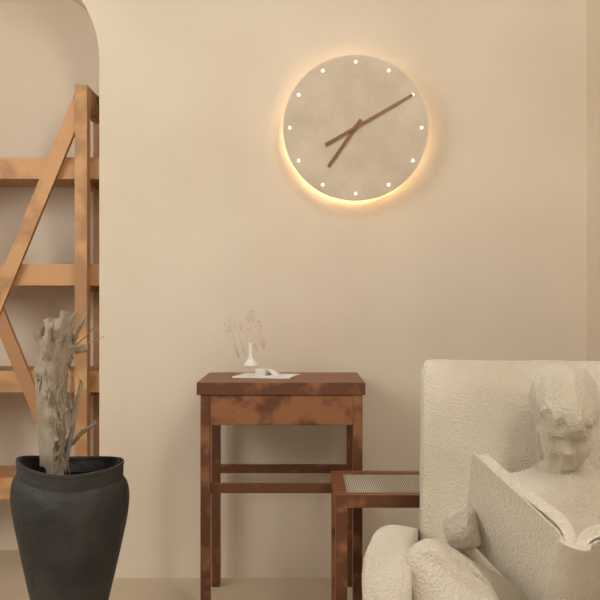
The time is 7h10
